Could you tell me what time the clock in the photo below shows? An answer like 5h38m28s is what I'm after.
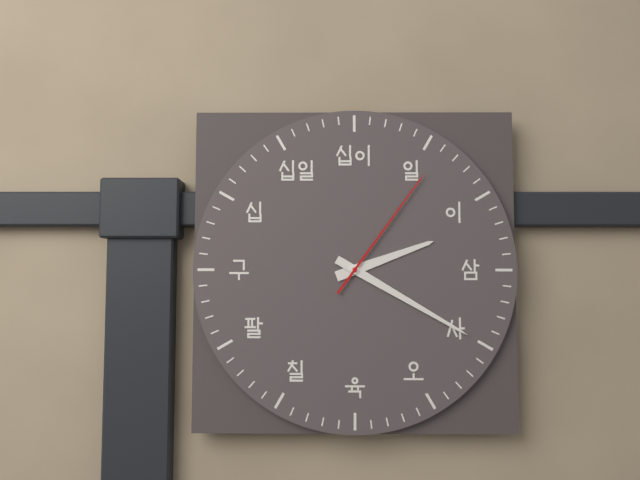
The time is 2h20m06s
